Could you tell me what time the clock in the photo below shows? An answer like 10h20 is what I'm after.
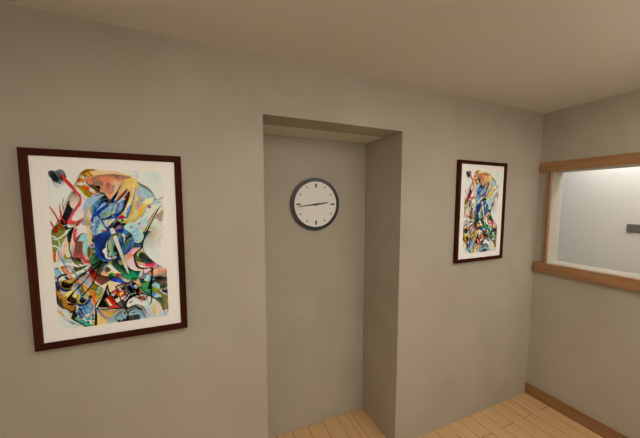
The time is 2h44
